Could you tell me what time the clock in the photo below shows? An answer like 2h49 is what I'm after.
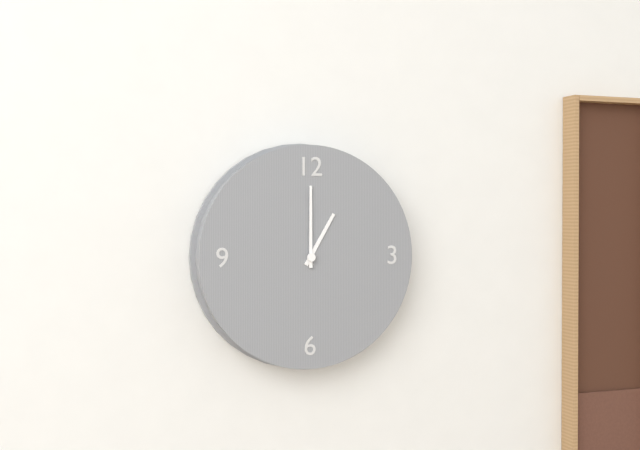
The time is 1h00
